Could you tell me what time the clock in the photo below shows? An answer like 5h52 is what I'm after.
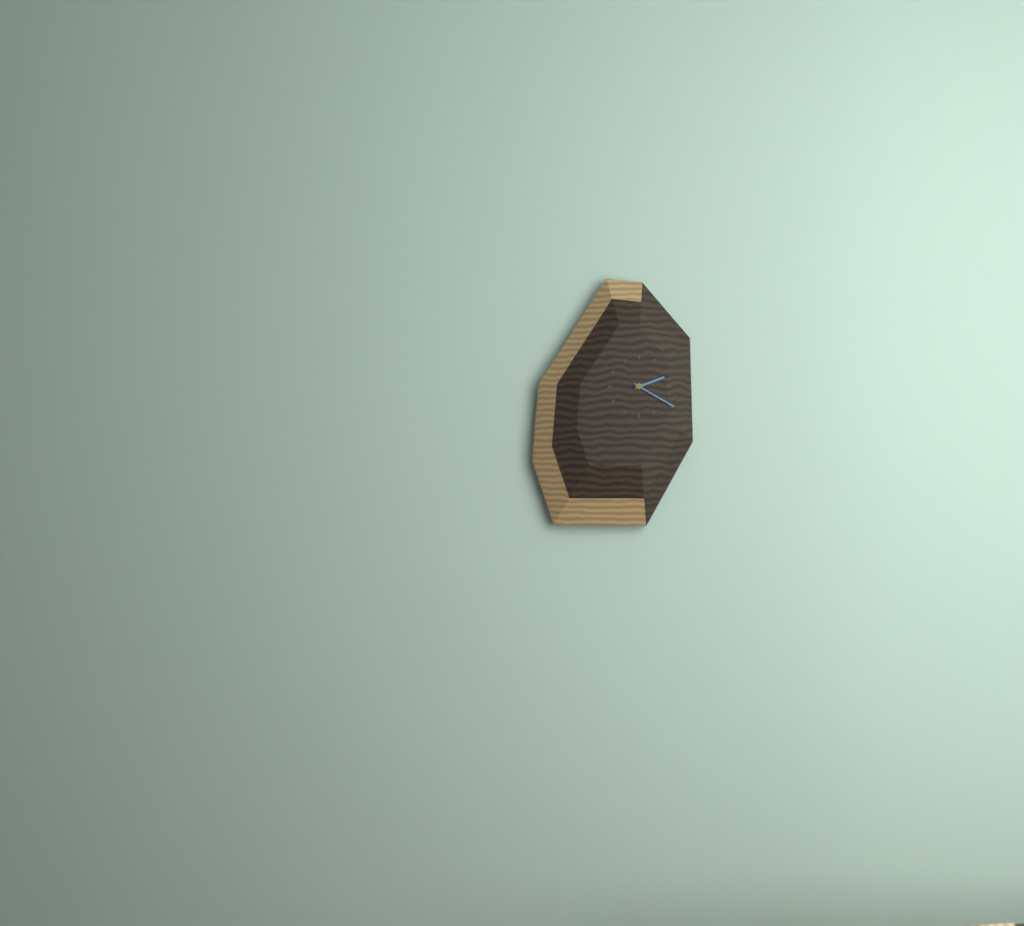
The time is 2h20
